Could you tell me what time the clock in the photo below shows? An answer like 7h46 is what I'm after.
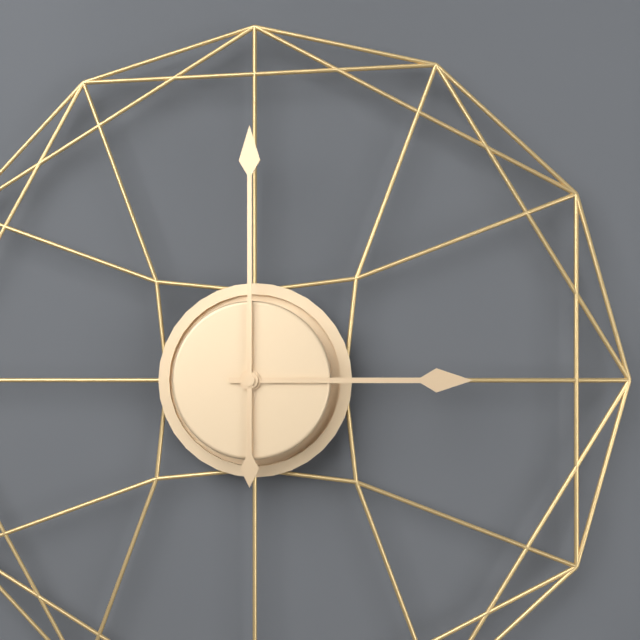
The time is 3h00
